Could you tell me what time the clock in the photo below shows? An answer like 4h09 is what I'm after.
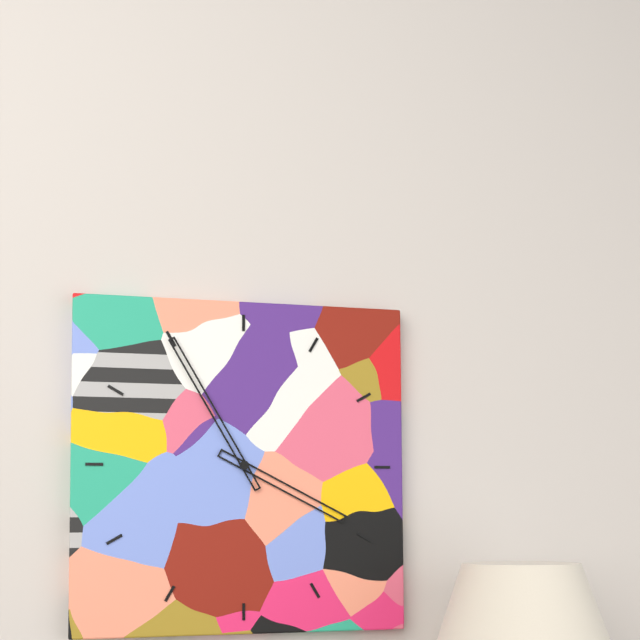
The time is 3h55
